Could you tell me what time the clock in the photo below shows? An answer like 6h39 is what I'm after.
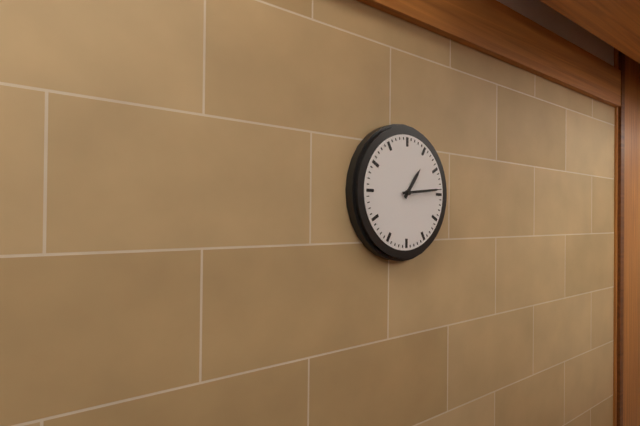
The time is 1h14
